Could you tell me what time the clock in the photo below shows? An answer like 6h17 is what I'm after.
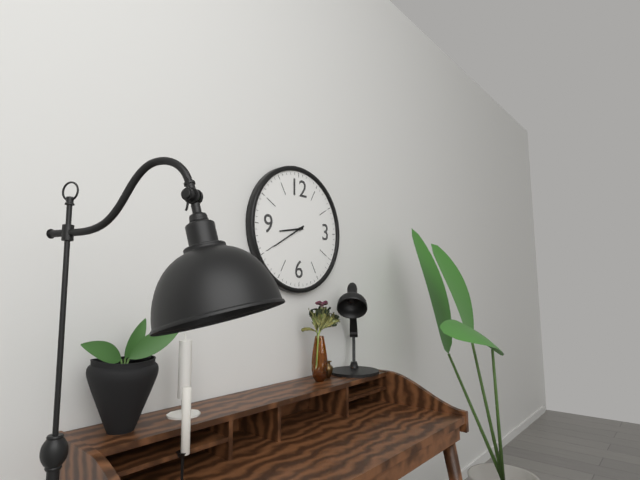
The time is 8h40
